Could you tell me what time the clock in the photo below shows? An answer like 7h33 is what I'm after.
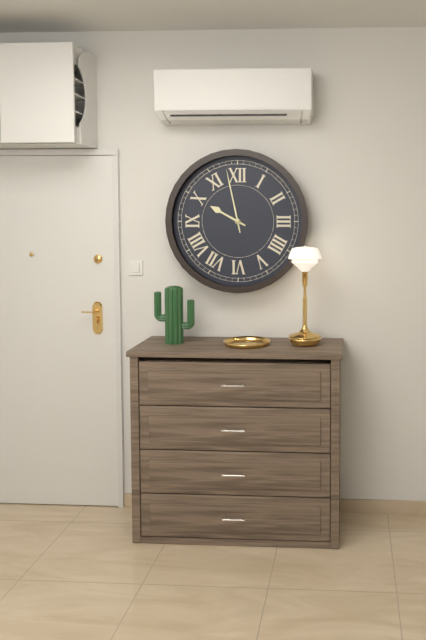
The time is 9h58
